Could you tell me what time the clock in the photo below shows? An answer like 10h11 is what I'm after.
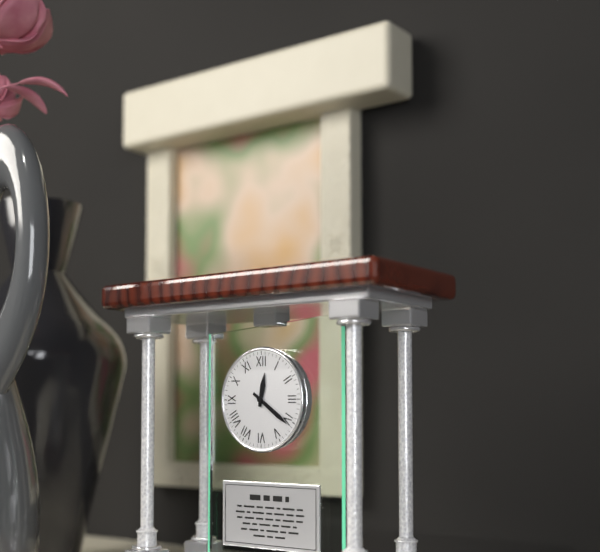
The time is 12h21
